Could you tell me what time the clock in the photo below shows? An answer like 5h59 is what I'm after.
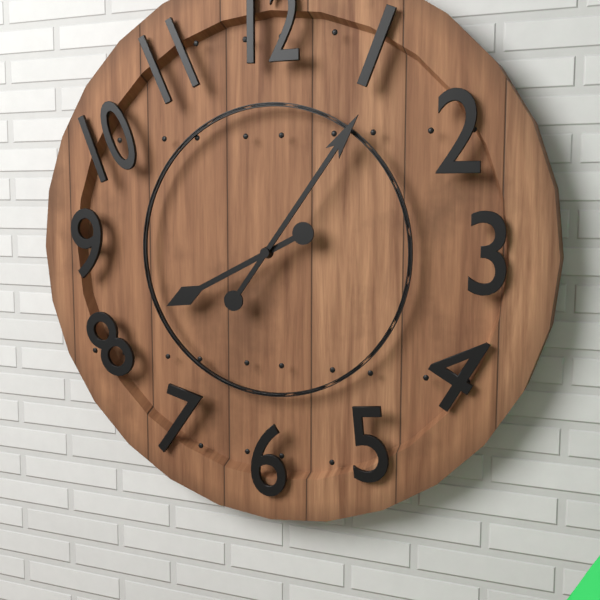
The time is 8h06
